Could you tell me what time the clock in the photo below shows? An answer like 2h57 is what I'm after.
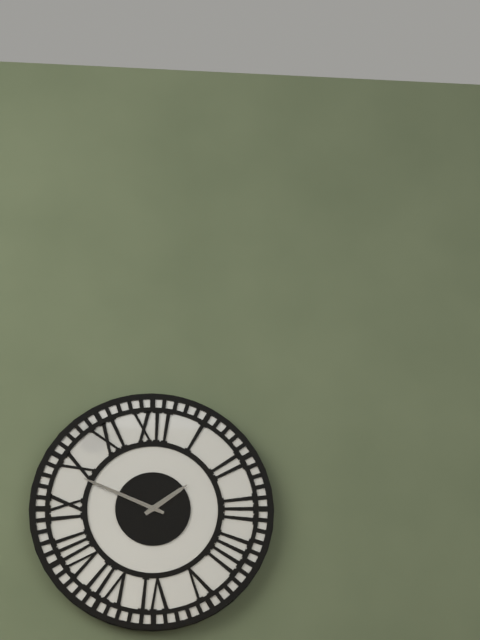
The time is 1h49
